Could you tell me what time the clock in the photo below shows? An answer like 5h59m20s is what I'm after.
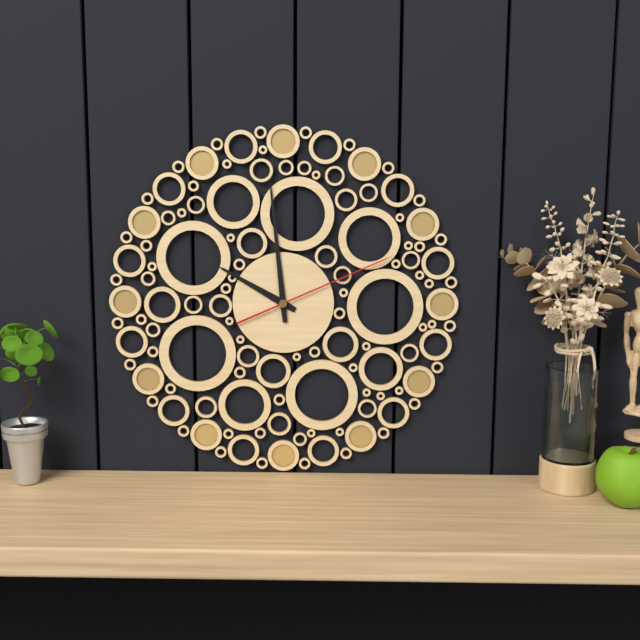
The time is 9h59m11s
